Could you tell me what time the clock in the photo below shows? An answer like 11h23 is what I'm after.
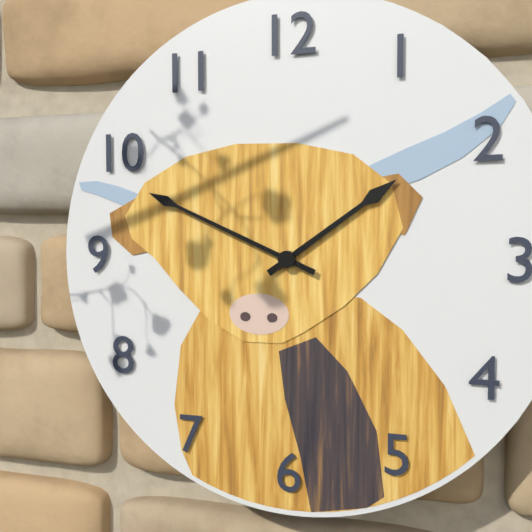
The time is 1h49
